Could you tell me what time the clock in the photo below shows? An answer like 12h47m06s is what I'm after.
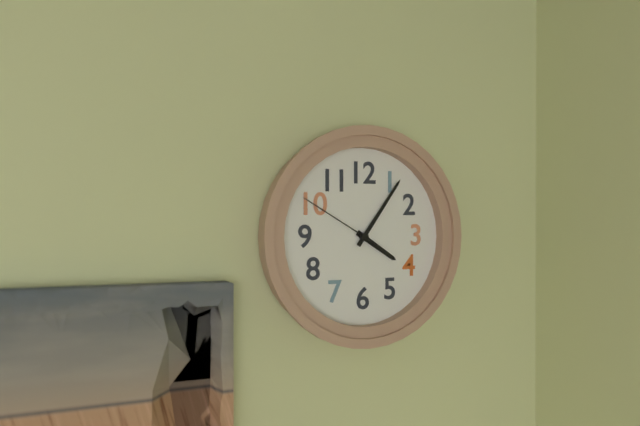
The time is 4h06m50s
